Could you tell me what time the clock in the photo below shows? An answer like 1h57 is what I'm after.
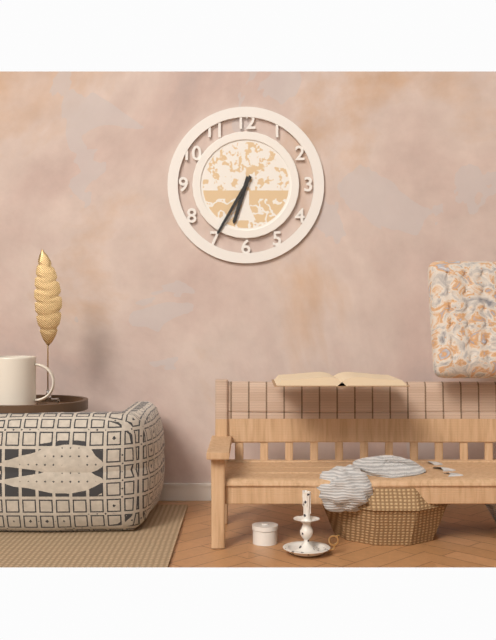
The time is 6h35
